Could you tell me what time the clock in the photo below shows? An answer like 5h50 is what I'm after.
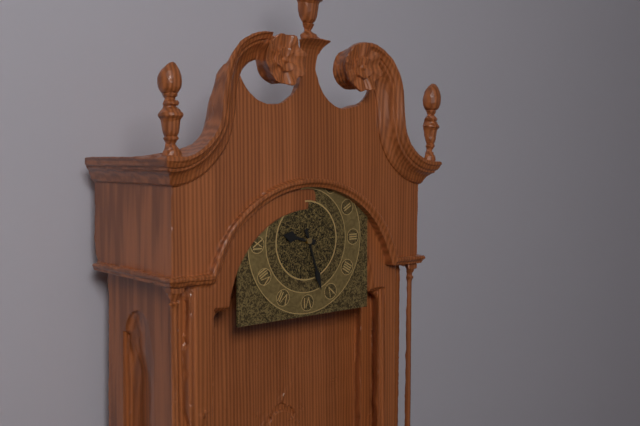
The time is 9h27
